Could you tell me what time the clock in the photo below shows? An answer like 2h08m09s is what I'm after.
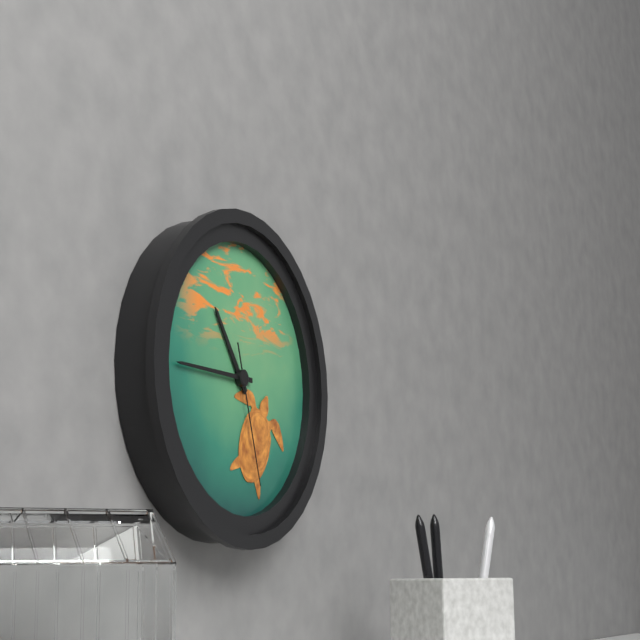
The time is 10h45m27s
